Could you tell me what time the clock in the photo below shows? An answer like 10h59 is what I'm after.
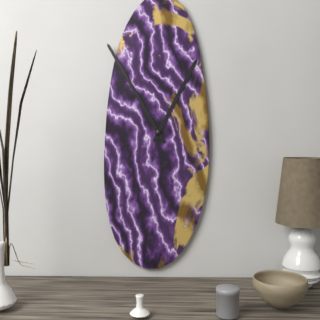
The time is 12h55
